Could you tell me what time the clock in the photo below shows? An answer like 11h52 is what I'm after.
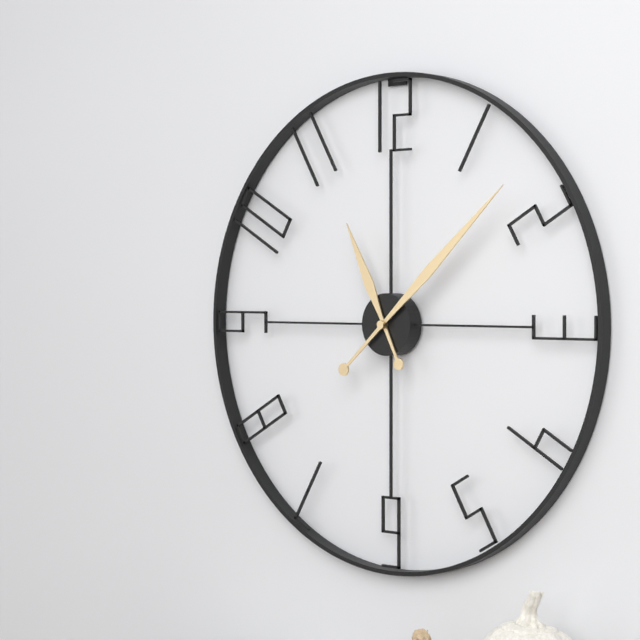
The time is 11h08
